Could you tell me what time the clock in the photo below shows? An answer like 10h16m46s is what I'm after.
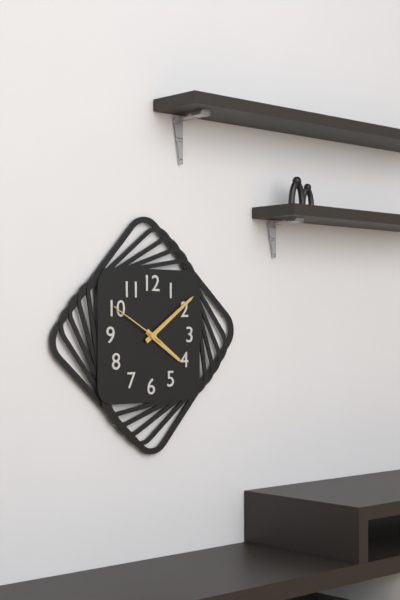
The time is 4h09m50s
